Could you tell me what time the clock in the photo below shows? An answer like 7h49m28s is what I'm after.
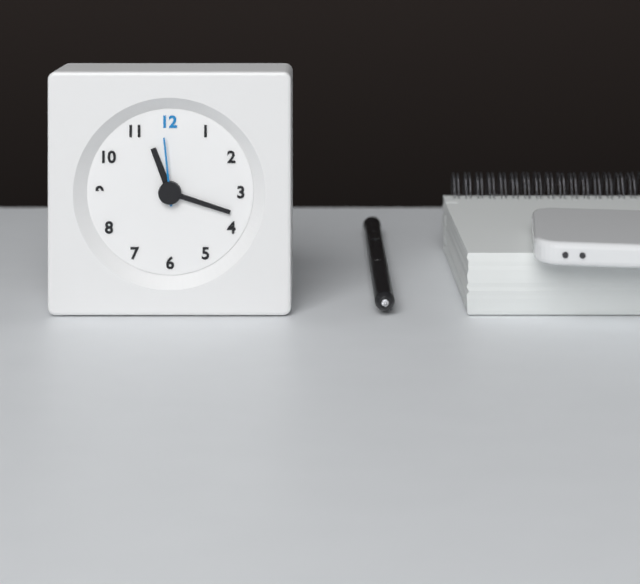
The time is 11h18m59s
